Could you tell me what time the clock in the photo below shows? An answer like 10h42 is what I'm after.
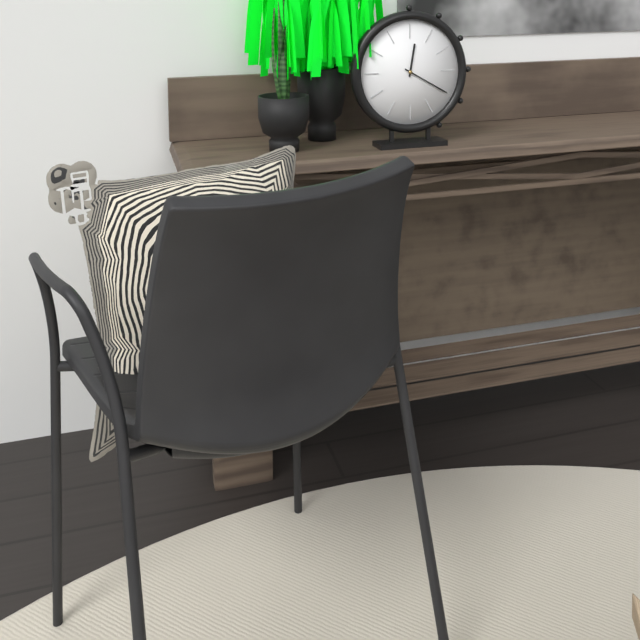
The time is 12h20
